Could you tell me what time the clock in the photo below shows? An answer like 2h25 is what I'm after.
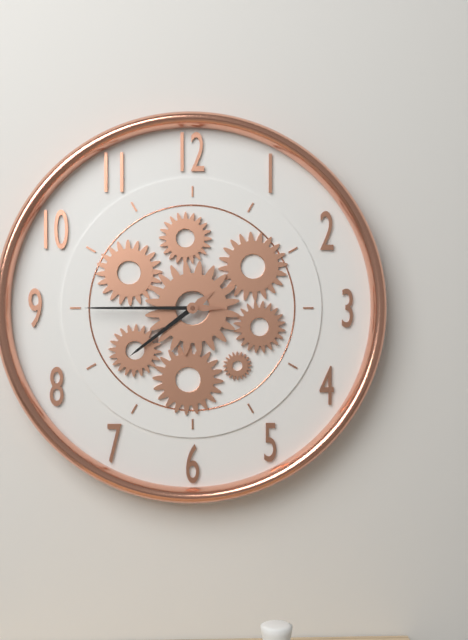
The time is 7h45
